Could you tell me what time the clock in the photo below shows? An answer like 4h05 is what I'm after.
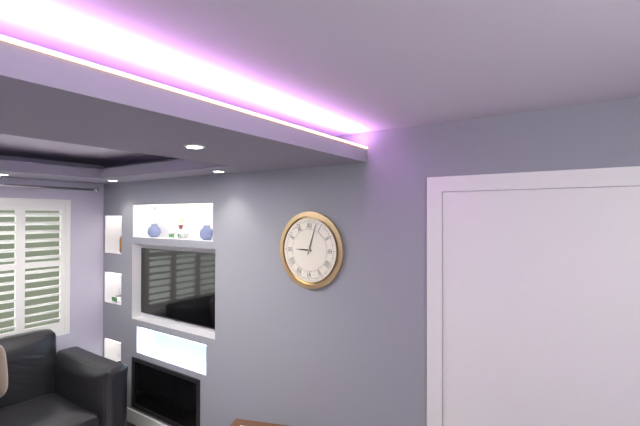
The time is 9h03
